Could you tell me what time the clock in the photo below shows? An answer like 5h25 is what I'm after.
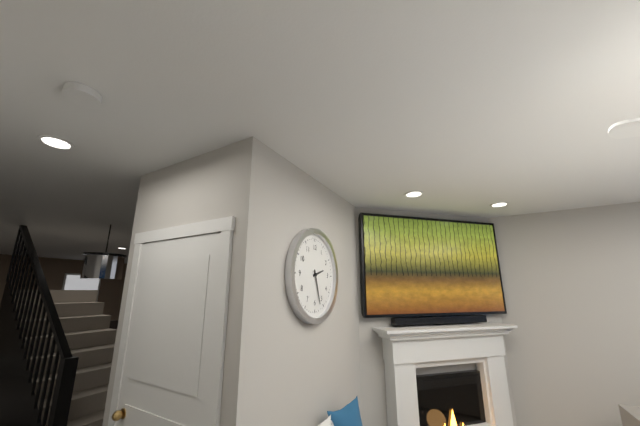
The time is 2h27
